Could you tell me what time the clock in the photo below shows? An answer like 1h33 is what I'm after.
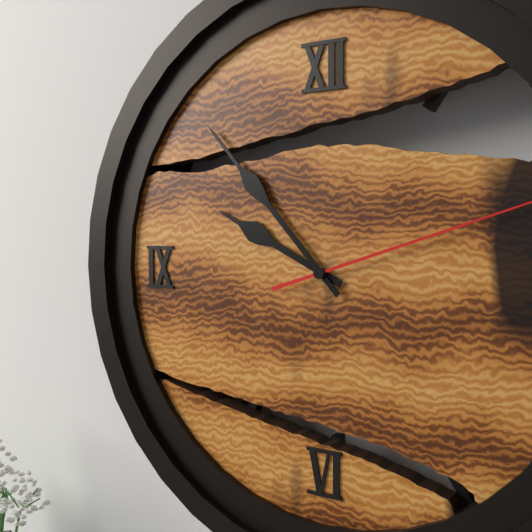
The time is 9h53
